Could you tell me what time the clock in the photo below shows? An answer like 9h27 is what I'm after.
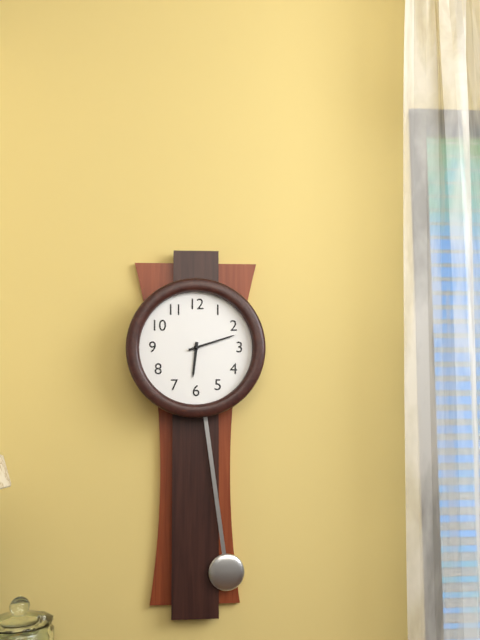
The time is 6h12
